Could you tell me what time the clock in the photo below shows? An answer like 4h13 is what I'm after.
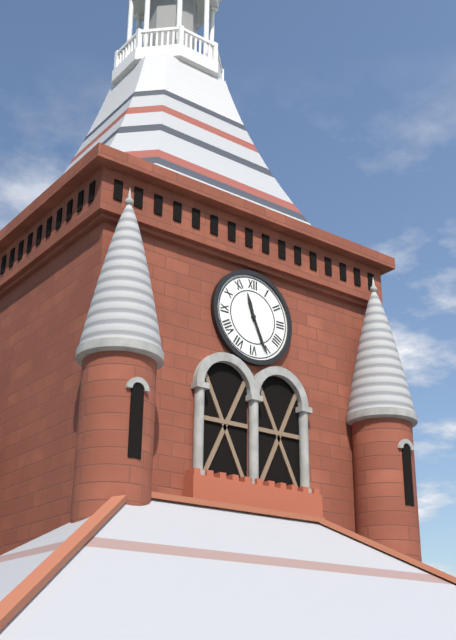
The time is 11h26
